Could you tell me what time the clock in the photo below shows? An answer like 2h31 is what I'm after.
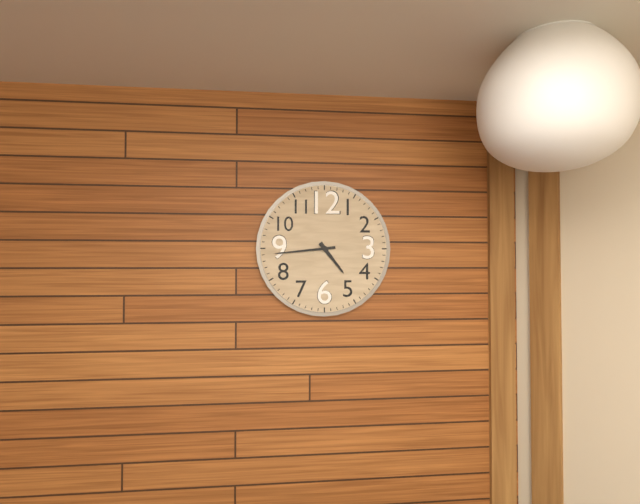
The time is 4h44
